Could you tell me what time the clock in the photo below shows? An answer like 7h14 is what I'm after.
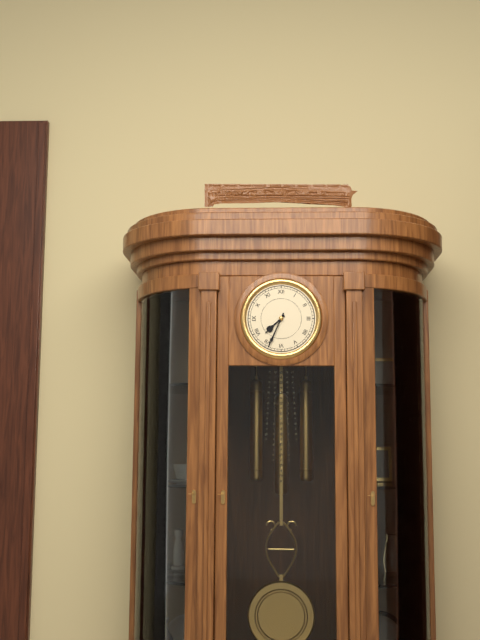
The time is 7h34
